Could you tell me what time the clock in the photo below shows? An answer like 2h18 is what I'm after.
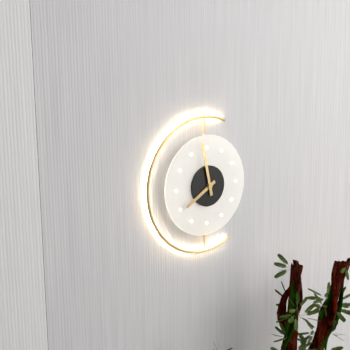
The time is 7h58
